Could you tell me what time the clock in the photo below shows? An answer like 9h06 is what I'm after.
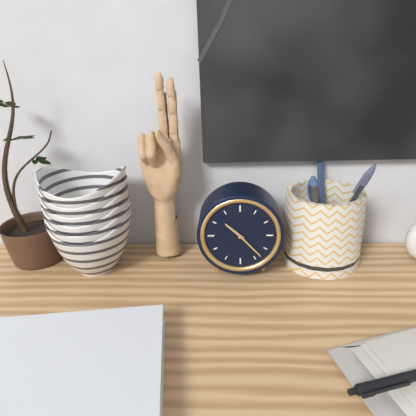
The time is 10h23
